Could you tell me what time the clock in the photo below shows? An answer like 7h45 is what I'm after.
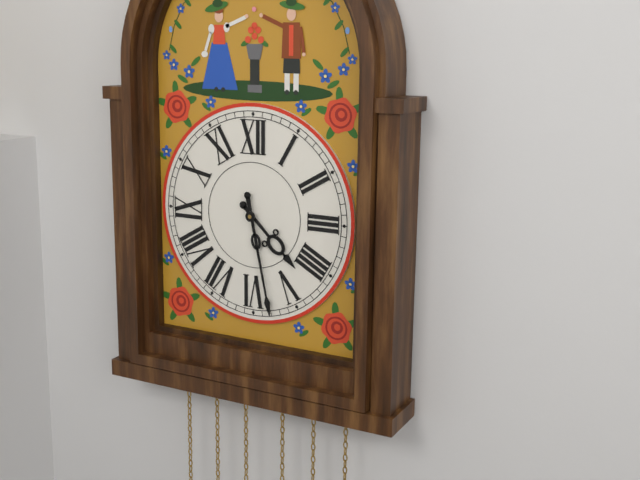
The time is 4h28
